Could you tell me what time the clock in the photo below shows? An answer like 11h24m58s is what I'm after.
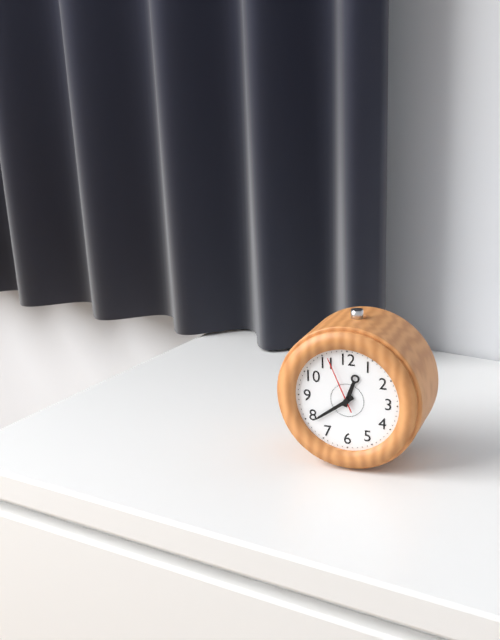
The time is 12h39m56s
